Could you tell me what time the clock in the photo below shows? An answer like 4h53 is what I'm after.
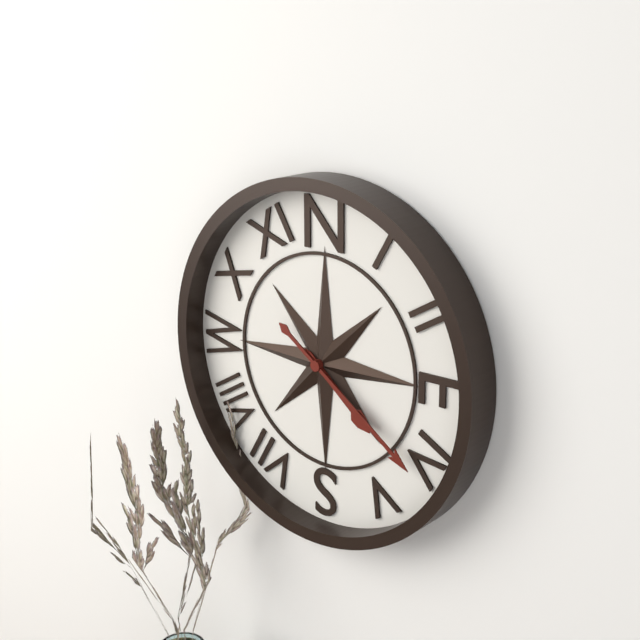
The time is 4h21
